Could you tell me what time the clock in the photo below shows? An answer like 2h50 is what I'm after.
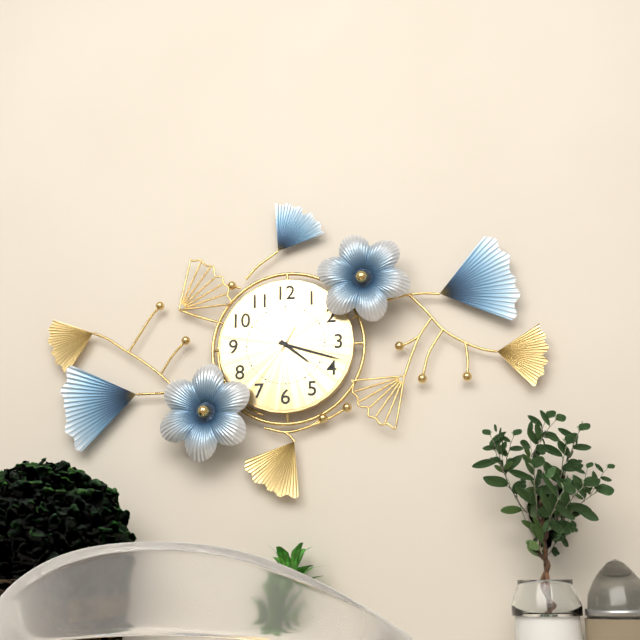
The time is 4h18
